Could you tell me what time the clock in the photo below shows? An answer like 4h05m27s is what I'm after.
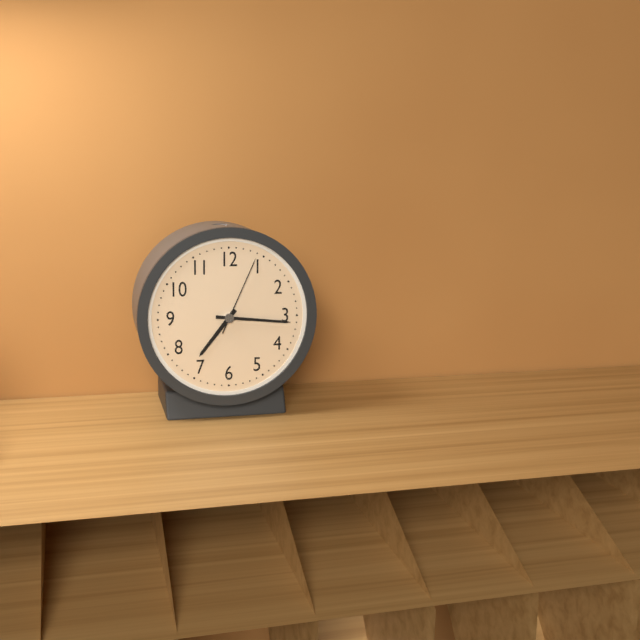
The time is 7h16m04s
